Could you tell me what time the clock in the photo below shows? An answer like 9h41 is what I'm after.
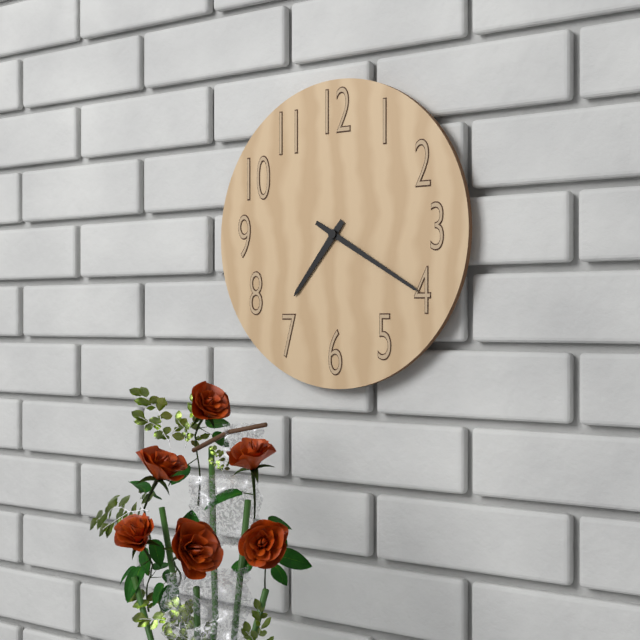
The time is 7h20
